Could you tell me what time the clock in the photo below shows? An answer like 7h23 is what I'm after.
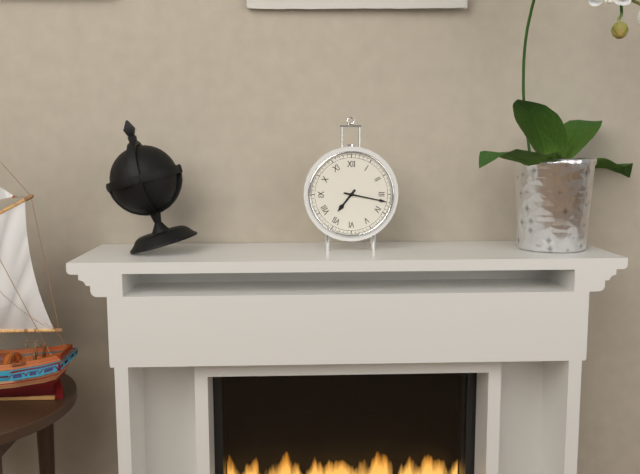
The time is 7h17
